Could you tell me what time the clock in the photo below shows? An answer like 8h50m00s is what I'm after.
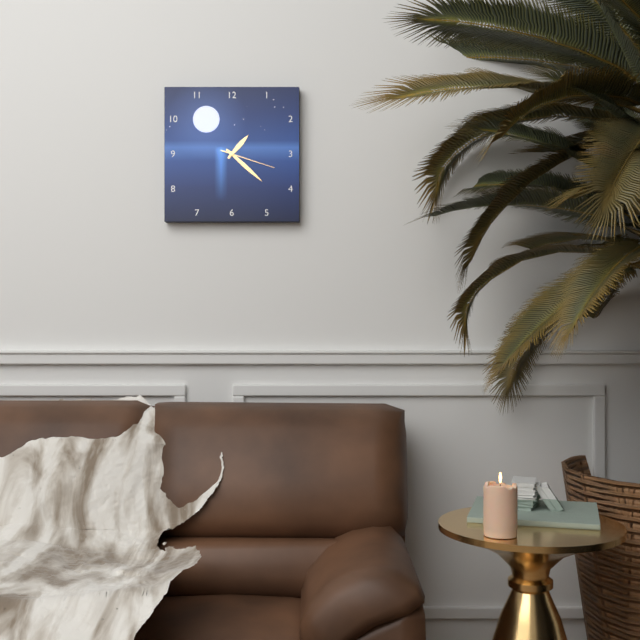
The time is 1h22m18s
